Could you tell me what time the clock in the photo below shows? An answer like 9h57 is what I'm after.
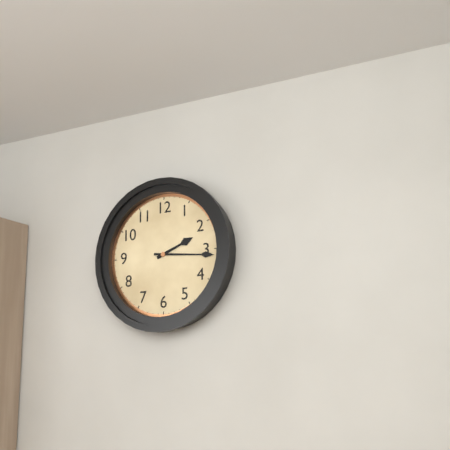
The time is 2h16
